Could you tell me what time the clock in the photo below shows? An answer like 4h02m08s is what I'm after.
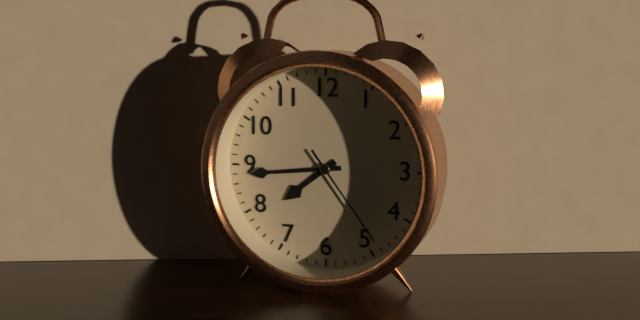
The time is 7h44m24s
